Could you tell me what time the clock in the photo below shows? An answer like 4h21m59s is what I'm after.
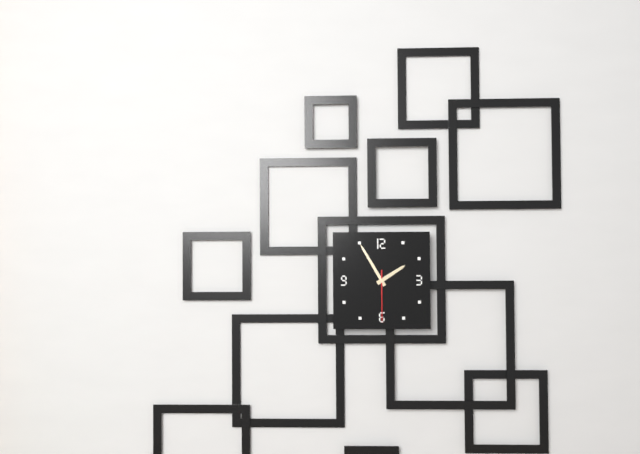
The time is 1h55m30s
